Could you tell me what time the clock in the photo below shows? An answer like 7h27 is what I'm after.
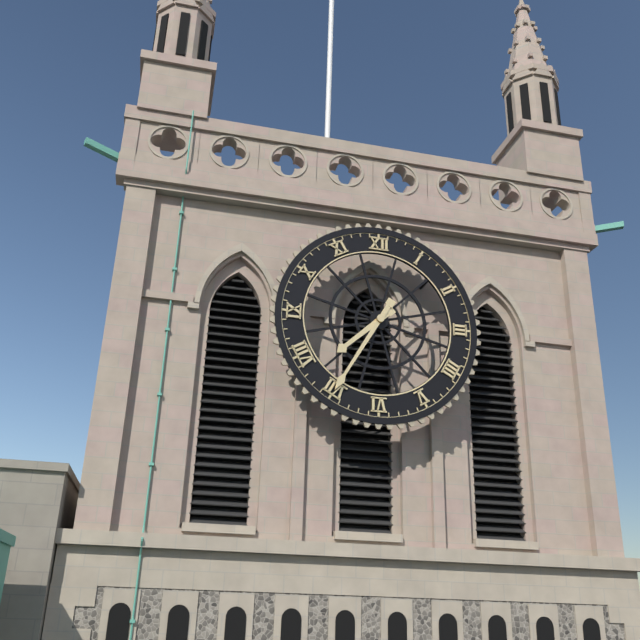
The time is 7h35
